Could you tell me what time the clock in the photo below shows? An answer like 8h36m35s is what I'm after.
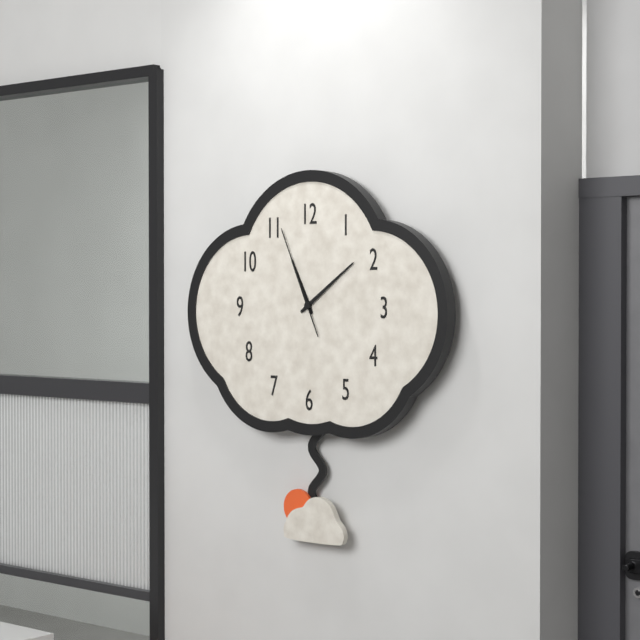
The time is 11h09m56s
